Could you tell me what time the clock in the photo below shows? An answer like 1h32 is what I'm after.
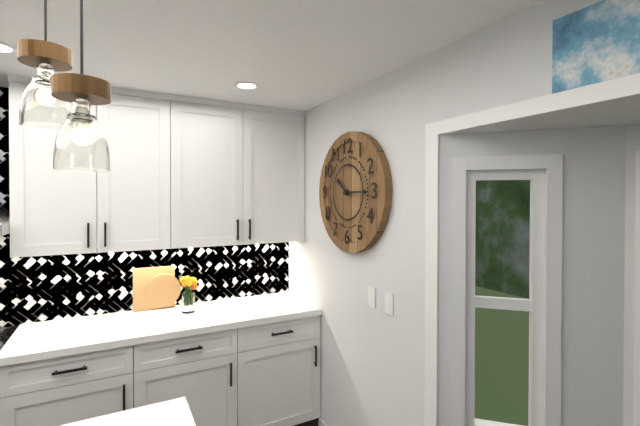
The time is 10h15
